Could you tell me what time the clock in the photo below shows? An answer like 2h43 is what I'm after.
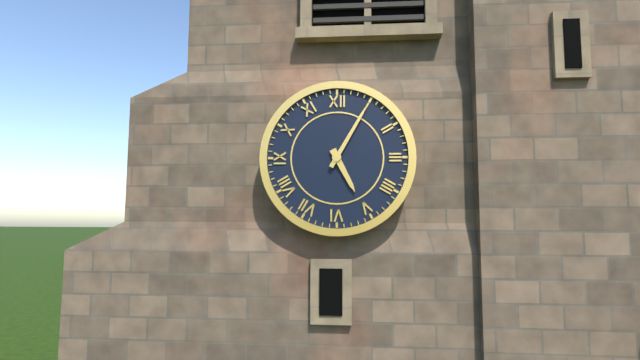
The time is 5h05
